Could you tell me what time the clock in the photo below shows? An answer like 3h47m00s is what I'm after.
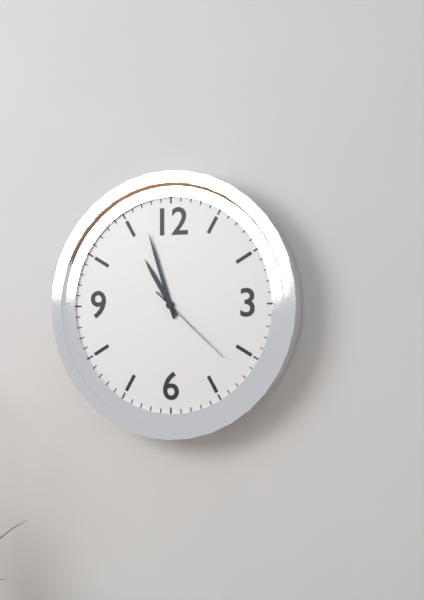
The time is 10h57m22s
